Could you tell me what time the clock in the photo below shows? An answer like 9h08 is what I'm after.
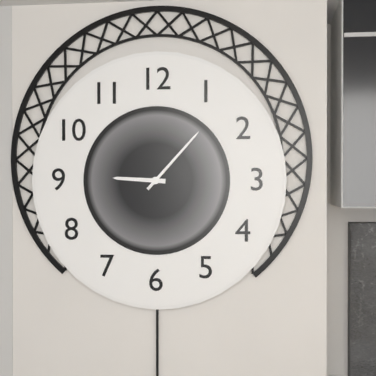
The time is 9h07
